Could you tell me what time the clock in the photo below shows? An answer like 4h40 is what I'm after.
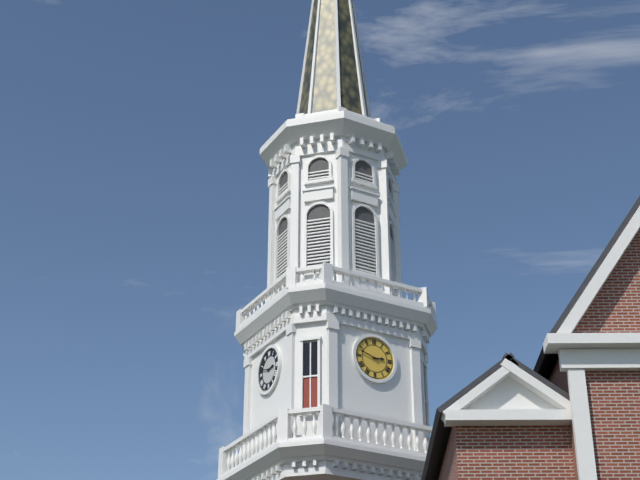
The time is 2h48
